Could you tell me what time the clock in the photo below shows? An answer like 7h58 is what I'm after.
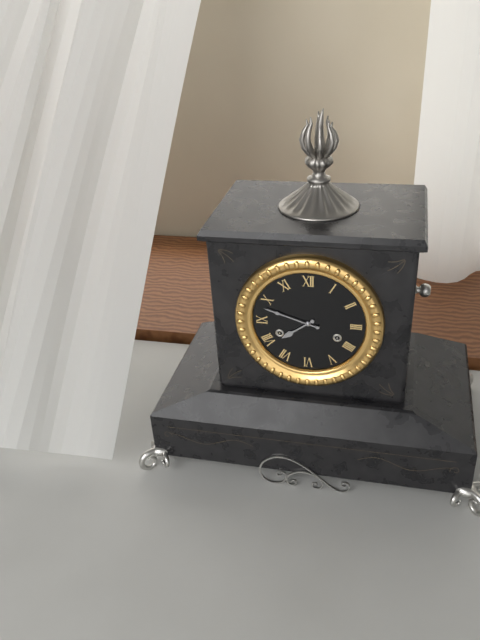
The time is 7h48
